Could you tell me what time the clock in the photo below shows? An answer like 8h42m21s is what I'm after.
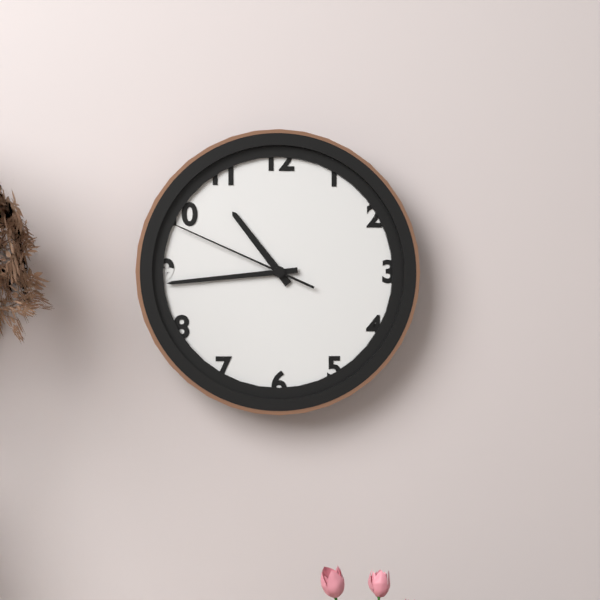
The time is 10h44m49s
